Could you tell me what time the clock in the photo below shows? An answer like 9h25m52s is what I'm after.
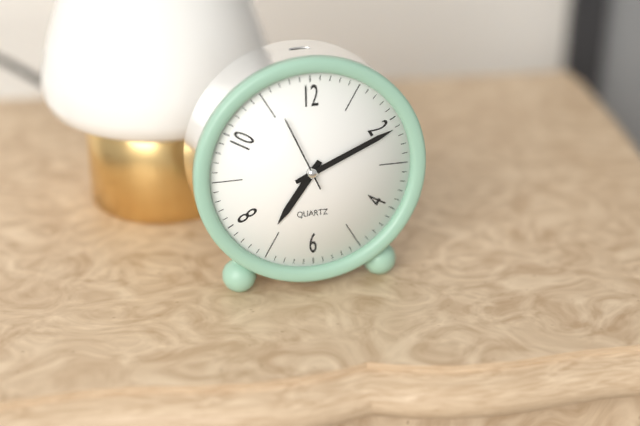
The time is 7h11m56s
